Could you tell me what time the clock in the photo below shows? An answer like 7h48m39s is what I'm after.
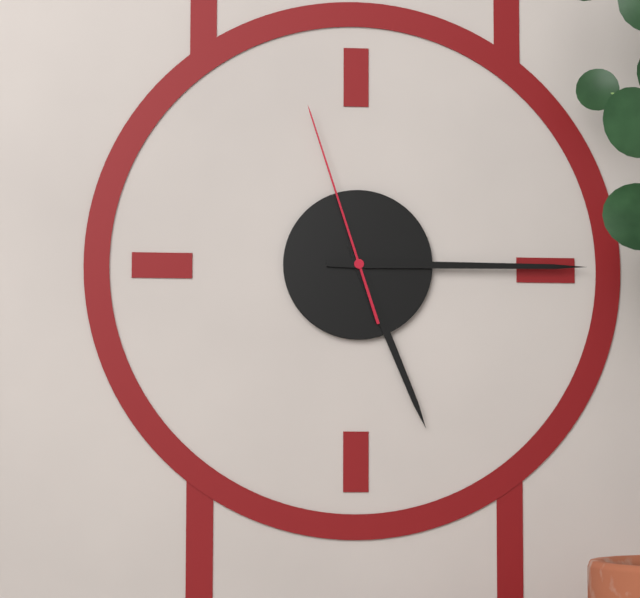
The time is 5h15m57s
